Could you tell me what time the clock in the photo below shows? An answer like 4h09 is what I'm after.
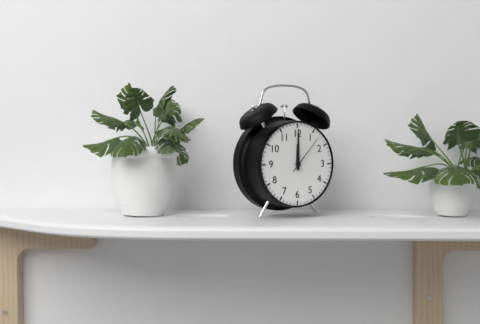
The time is 12h00
